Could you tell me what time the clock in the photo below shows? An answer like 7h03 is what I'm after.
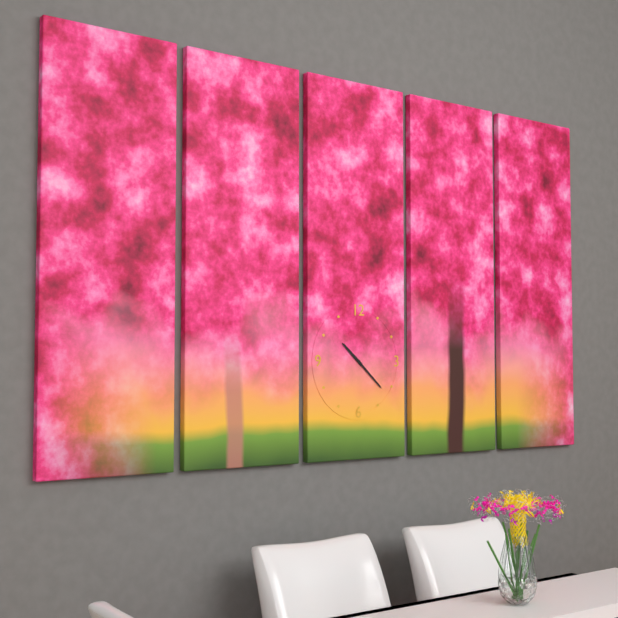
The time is 10h22
